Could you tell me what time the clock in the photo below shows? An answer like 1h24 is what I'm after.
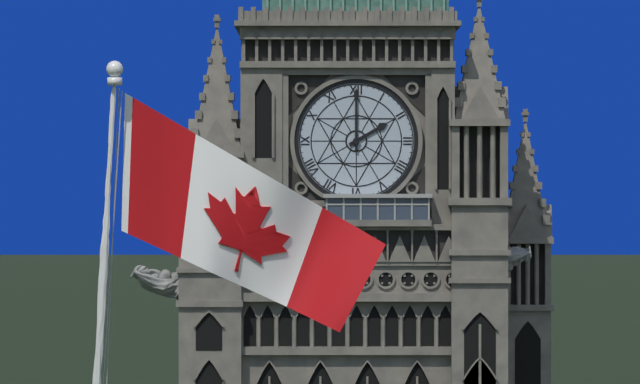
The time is 2h00
